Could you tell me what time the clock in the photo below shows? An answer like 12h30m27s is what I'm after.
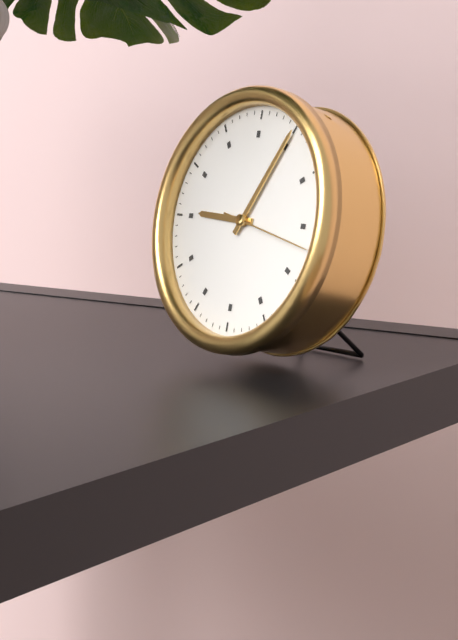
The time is 9h05m17s
